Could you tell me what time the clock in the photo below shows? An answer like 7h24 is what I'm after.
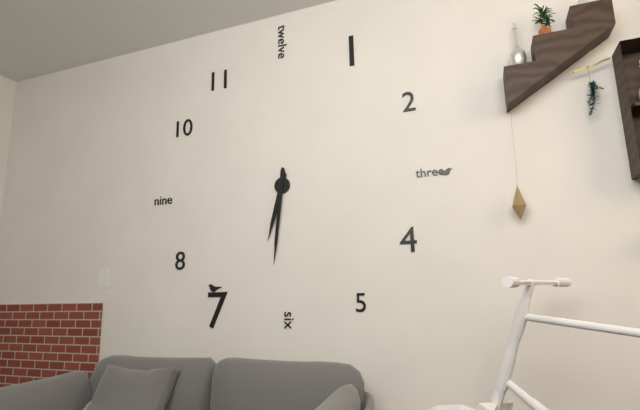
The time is 6h31
